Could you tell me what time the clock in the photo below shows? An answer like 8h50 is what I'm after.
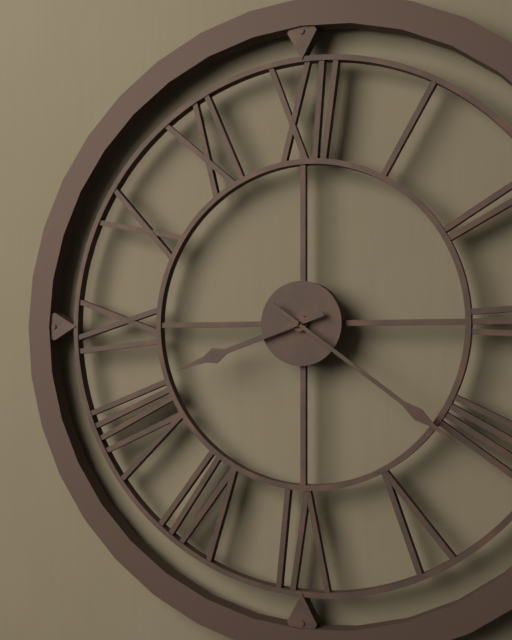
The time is 8h21
